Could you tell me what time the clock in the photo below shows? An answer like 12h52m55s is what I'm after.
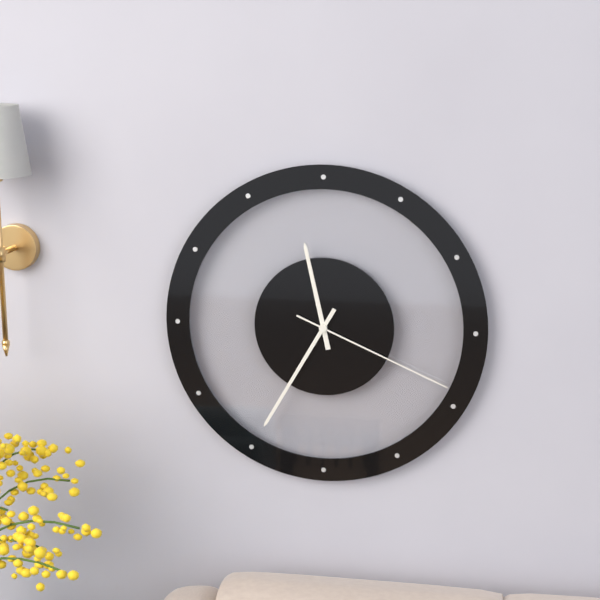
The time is 11h35m19s
